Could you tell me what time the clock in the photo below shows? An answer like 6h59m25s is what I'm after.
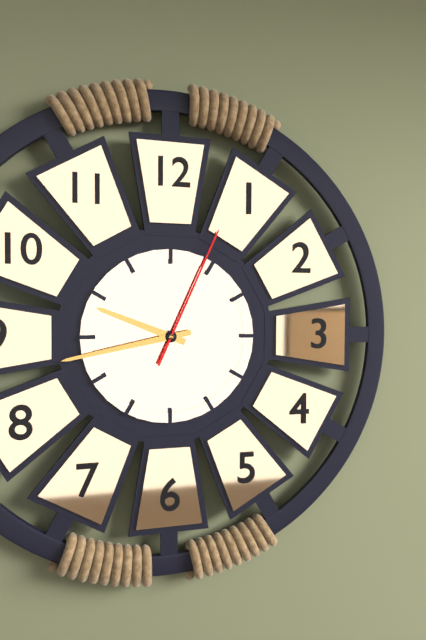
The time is 9h43m04s
